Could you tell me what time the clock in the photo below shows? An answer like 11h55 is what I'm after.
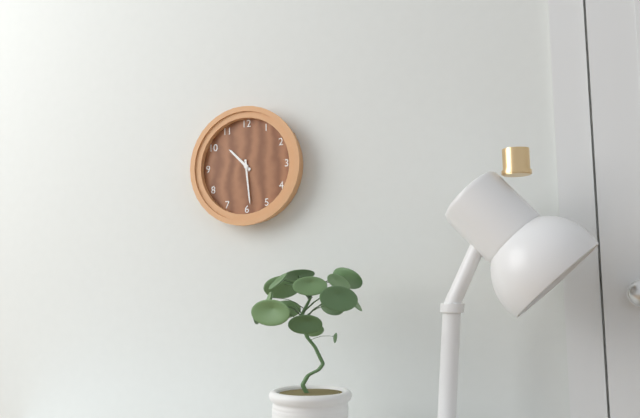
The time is 10h29
